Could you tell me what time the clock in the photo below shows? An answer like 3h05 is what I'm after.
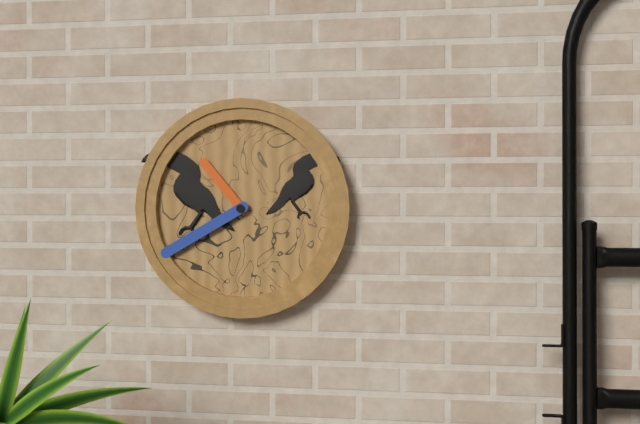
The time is 10h40
